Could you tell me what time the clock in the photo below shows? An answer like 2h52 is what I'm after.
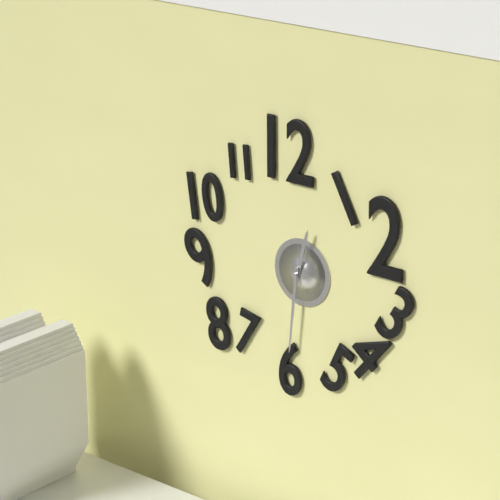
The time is 12h31
